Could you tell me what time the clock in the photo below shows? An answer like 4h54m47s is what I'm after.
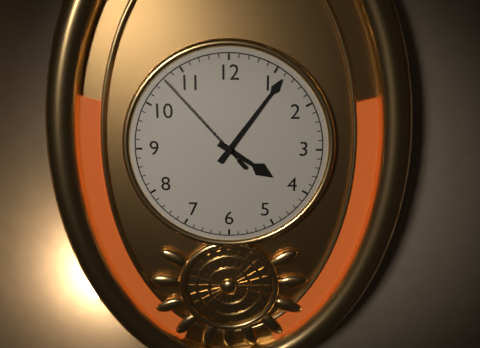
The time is 4h06m53s
